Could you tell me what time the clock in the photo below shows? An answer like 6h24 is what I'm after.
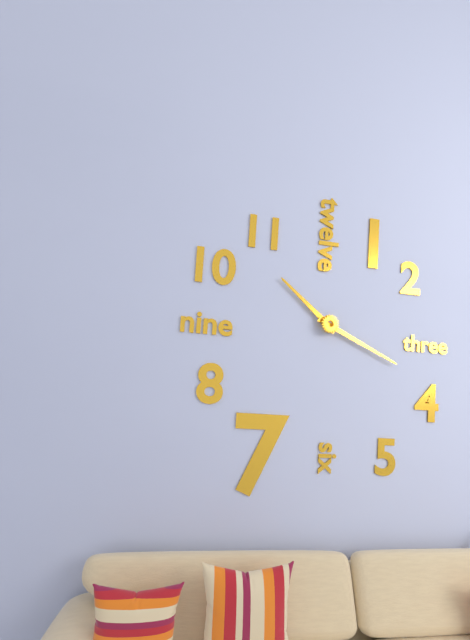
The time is 10h19
